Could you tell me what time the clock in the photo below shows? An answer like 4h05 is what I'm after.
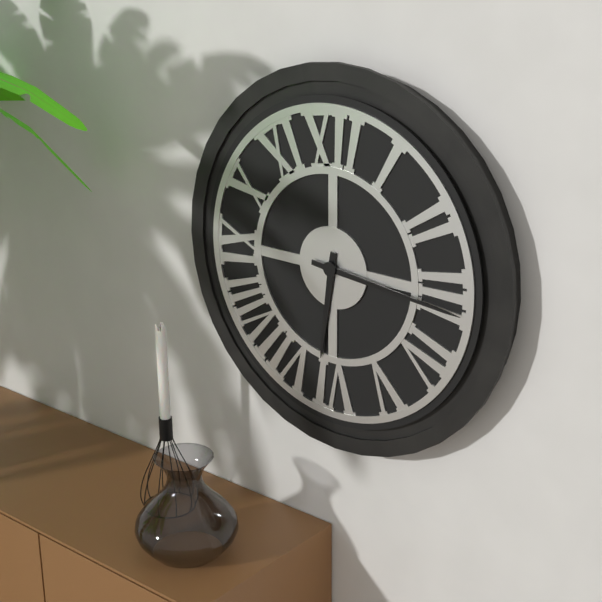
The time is 6h16
